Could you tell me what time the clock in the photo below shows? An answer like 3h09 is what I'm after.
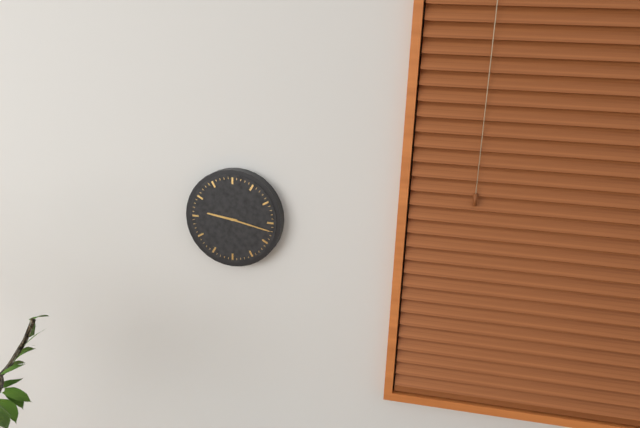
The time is 9h17
